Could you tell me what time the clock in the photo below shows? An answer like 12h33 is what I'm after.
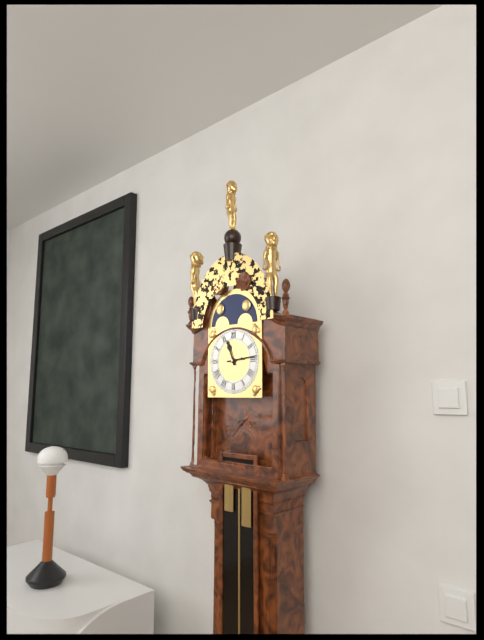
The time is 11h14
